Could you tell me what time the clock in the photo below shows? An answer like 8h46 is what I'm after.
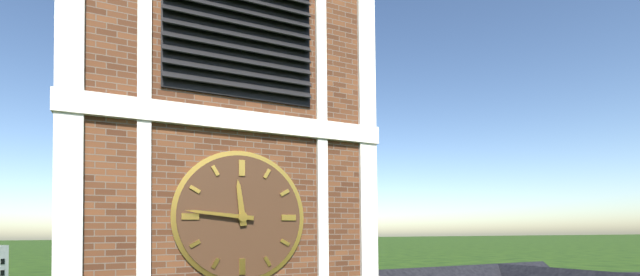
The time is 11h46
